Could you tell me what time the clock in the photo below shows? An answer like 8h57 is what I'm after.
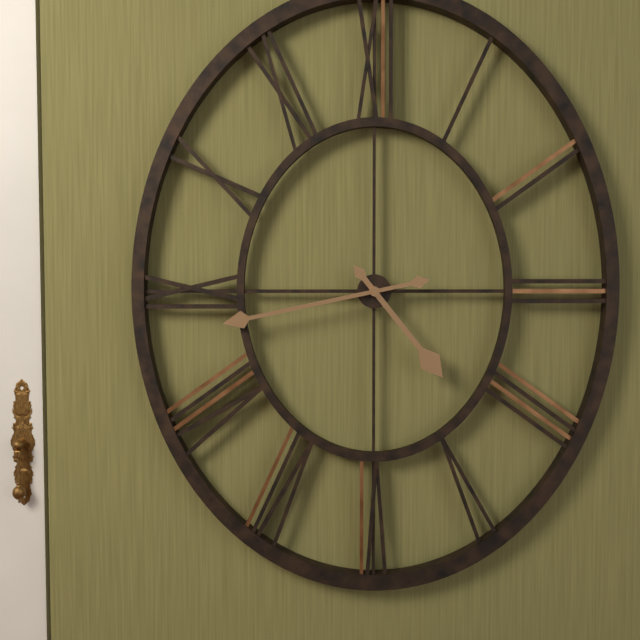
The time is 4h43
